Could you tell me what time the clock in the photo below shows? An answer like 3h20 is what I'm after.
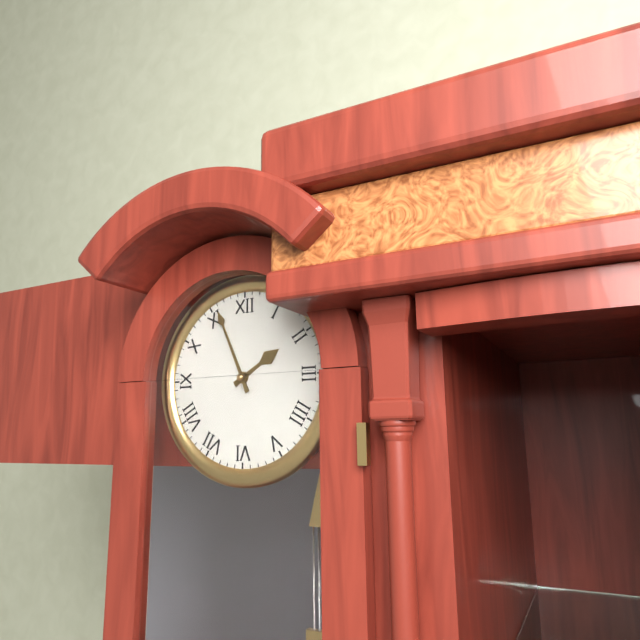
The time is 1h56
